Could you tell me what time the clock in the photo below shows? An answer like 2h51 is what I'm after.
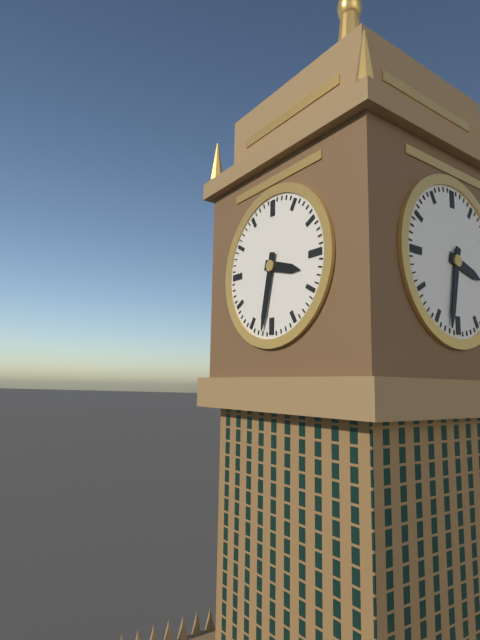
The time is 3h32
